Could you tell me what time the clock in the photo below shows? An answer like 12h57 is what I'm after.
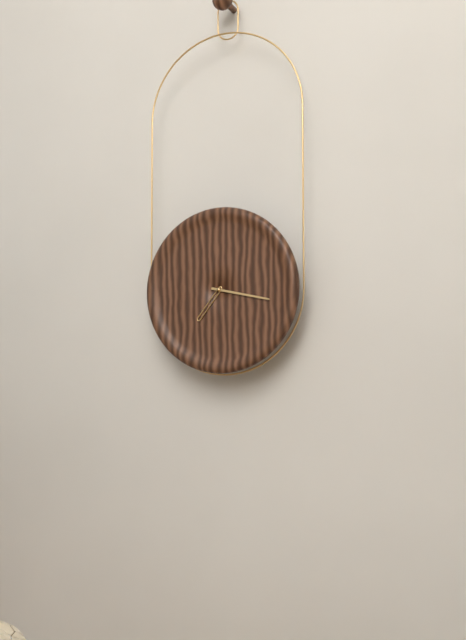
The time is 7h17
